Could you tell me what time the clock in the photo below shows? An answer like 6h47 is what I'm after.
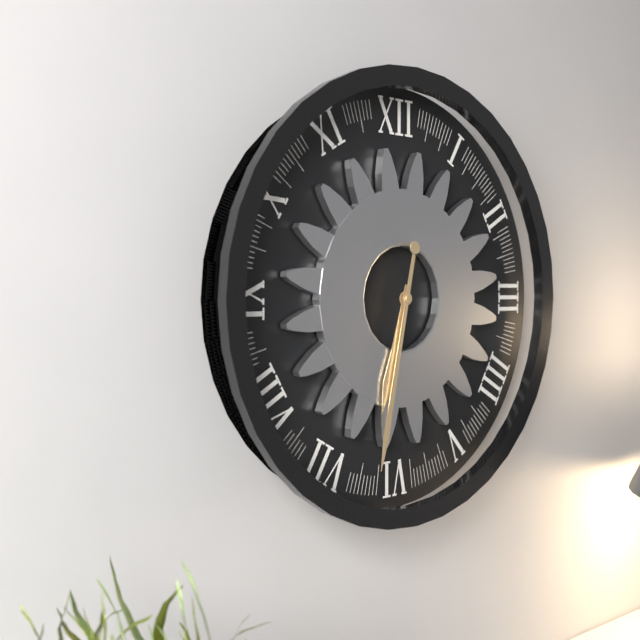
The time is 6h32
